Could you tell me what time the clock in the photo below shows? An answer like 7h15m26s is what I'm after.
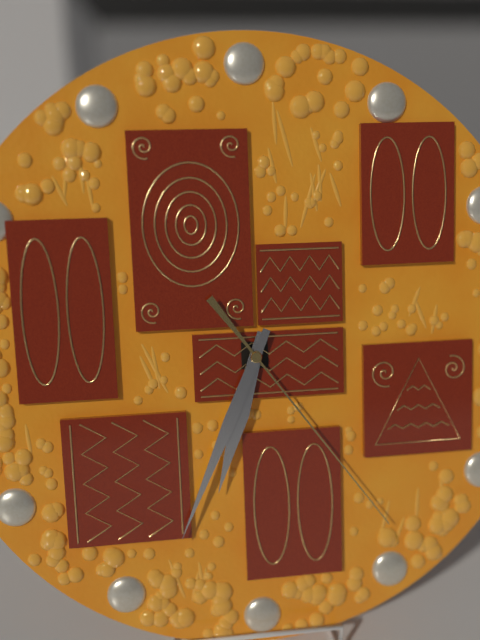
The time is 6h34m24s
